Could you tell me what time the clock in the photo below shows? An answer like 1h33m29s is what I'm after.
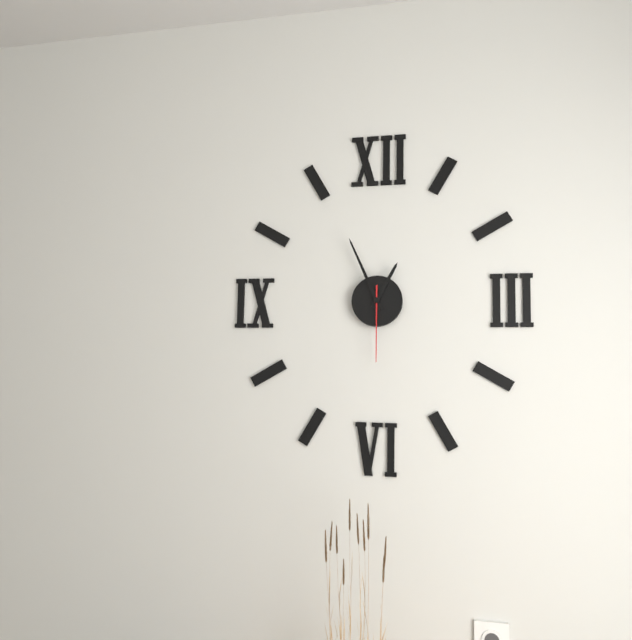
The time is 12h56m30s
